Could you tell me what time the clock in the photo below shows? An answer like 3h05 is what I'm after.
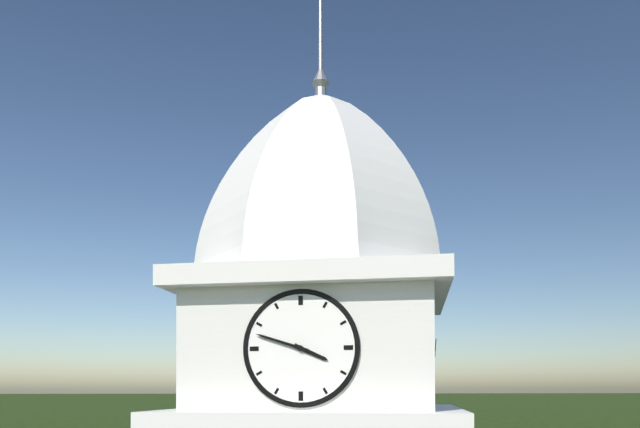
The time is 3h48
